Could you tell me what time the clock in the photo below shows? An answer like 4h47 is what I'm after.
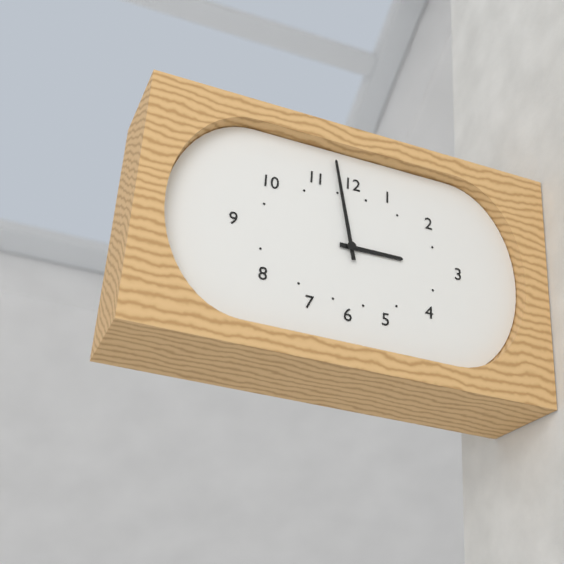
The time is 2h58
